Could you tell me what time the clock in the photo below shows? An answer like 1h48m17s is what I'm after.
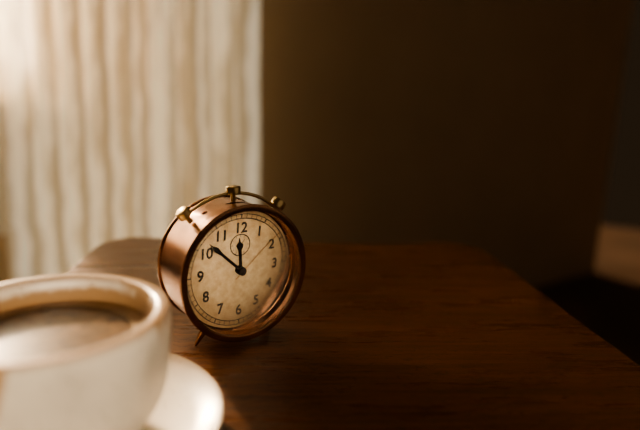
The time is 11h52m08s
